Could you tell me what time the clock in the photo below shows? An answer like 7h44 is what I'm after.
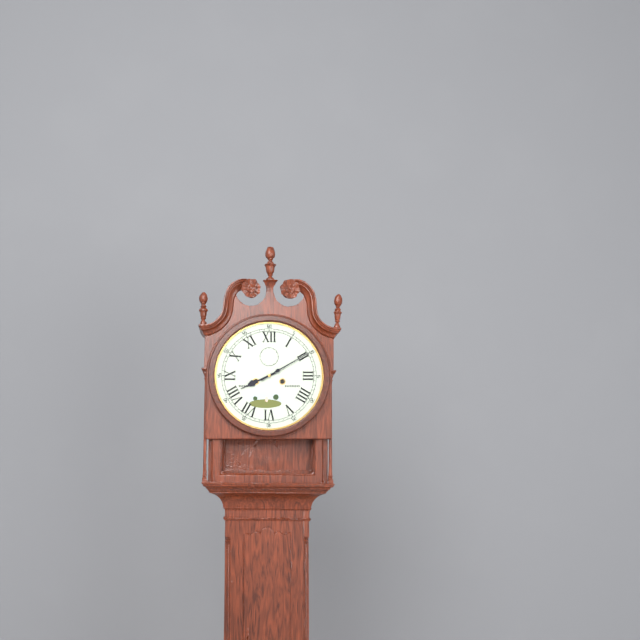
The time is 8h10
